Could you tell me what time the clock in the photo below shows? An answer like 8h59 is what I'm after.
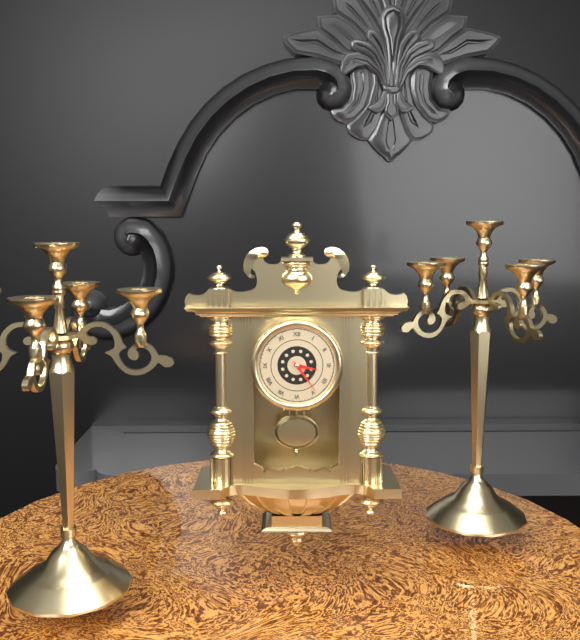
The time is 3h24
